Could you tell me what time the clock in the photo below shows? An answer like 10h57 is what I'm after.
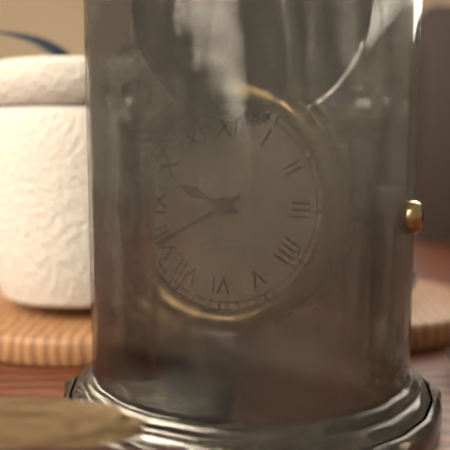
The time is 9h40
